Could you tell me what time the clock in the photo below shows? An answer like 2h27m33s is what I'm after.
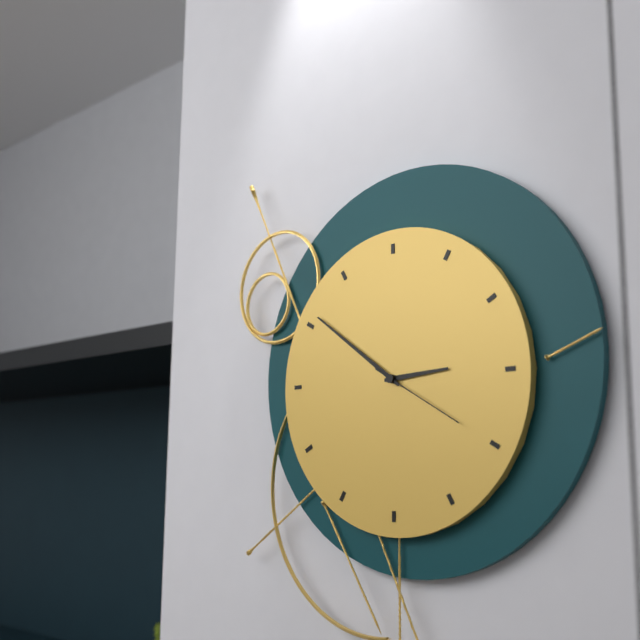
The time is 2h51m20s
